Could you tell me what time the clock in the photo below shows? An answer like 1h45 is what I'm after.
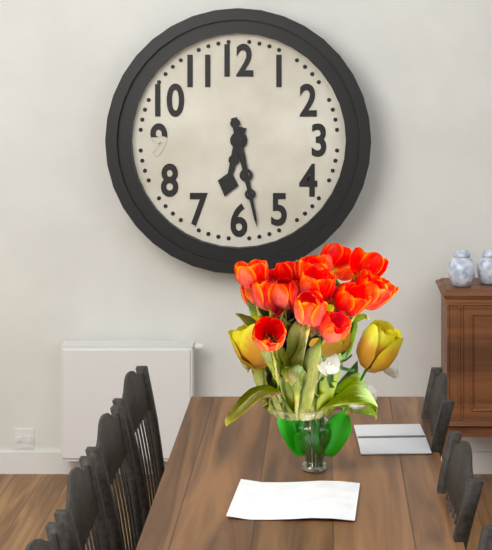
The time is 6h28
